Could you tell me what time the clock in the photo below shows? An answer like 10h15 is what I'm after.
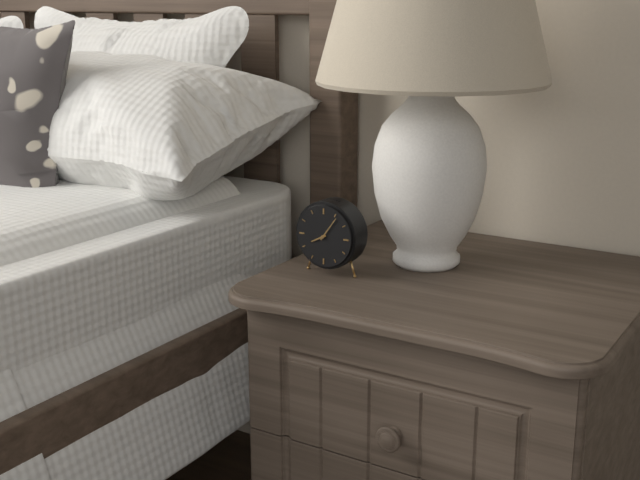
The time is 8h06
